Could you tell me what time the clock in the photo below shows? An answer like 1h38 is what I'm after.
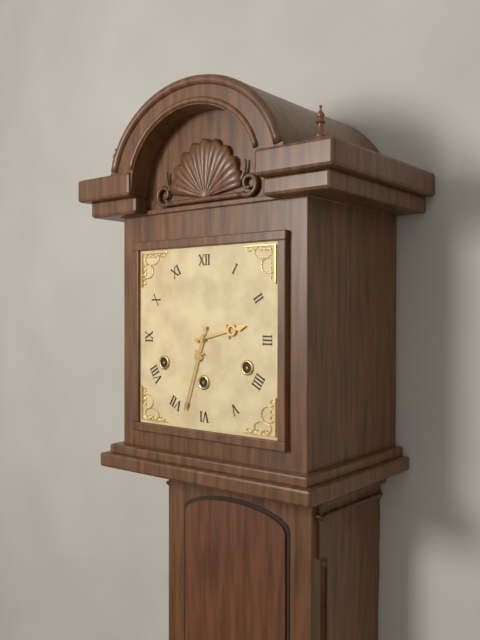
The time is 2h33
